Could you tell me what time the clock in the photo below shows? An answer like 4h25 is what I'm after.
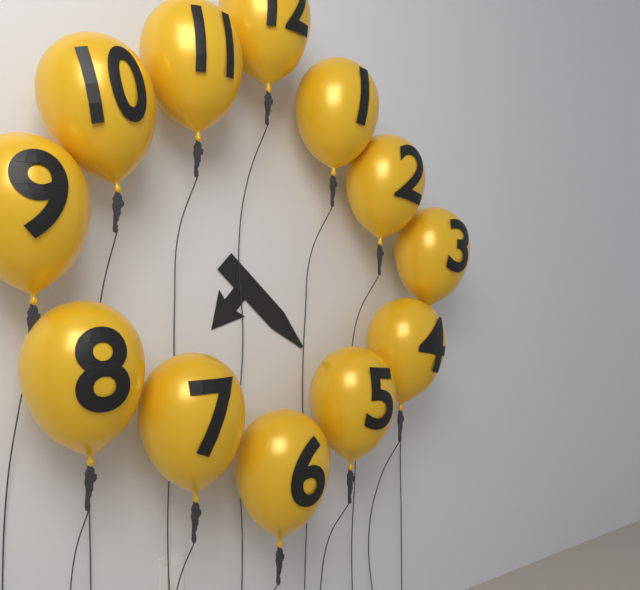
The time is 7h22
